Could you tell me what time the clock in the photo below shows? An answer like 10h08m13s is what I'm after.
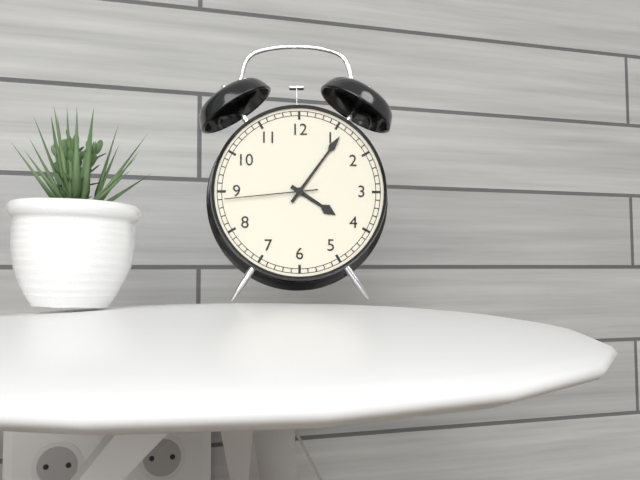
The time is 4h06m44s
